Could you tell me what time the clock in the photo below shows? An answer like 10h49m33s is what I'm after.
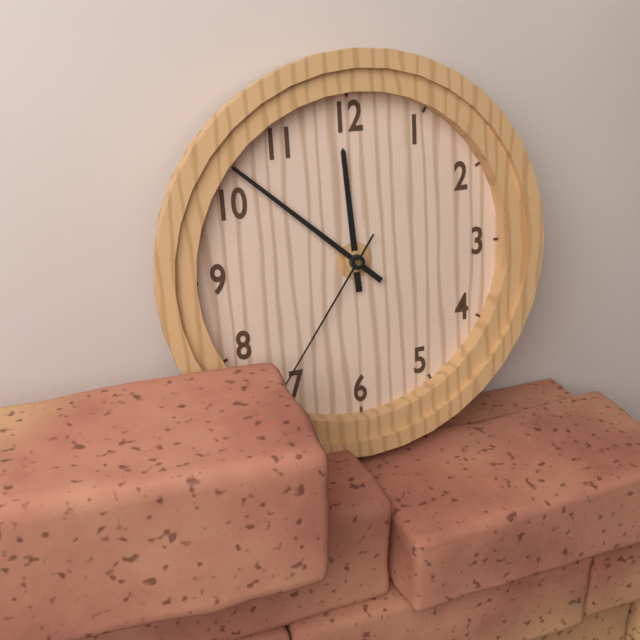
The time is 11h52m36s
